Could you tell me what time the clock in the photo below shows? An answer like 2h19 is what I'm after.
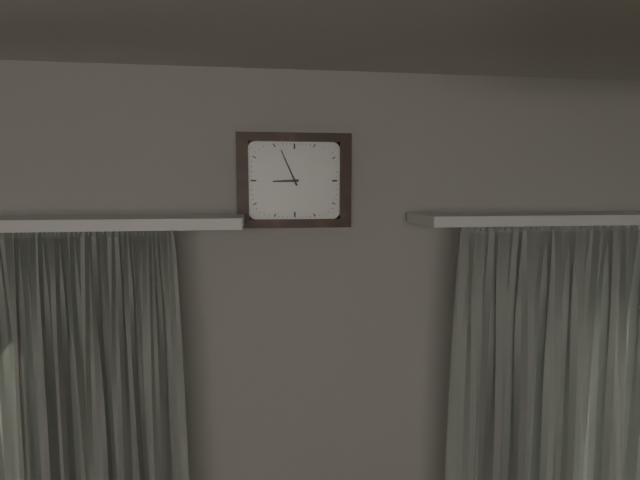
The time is 8h56
